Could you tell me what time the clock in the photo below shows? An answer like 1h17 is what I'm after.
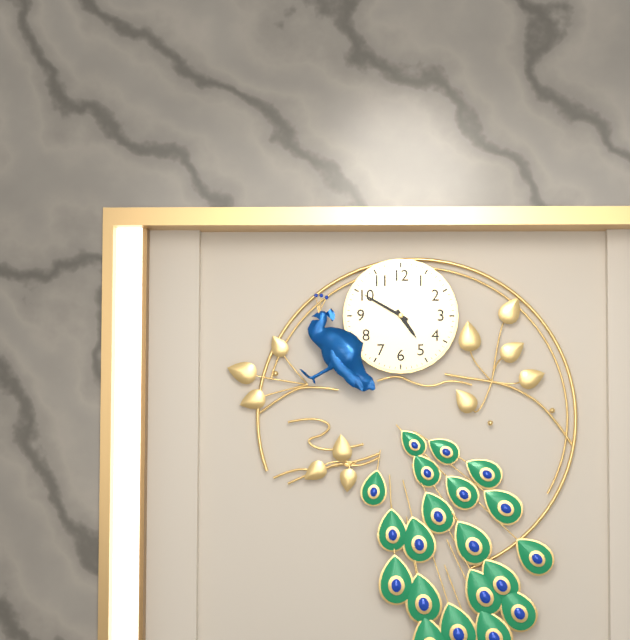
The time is 4h50
